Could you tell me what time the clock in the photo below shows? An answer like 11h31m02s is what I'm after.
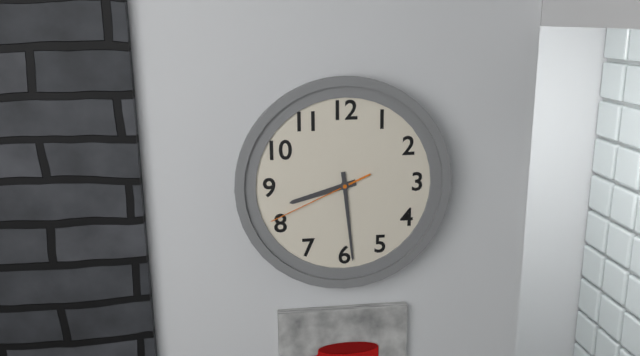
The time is 8h29m41s
